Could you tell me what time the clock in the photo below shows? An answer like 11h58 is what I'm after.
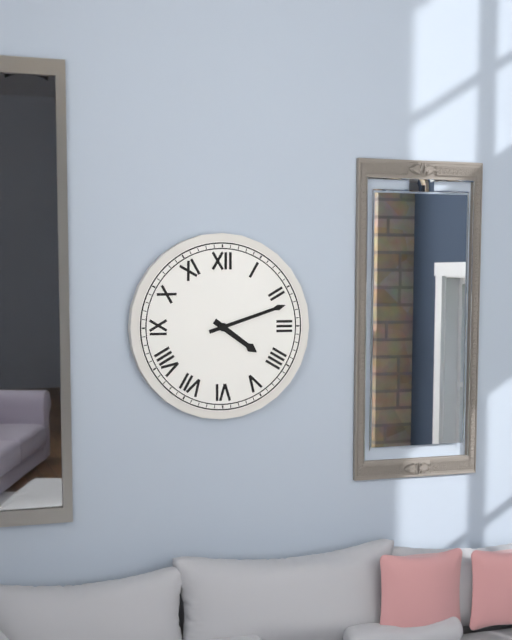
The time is 4h12
